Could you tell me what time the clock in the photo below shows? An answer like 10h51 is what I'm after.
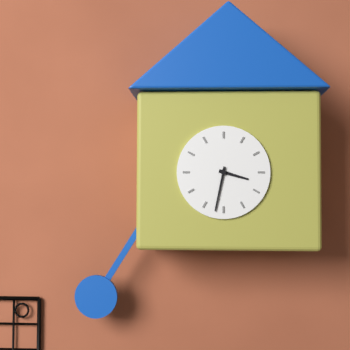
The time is 3h32
